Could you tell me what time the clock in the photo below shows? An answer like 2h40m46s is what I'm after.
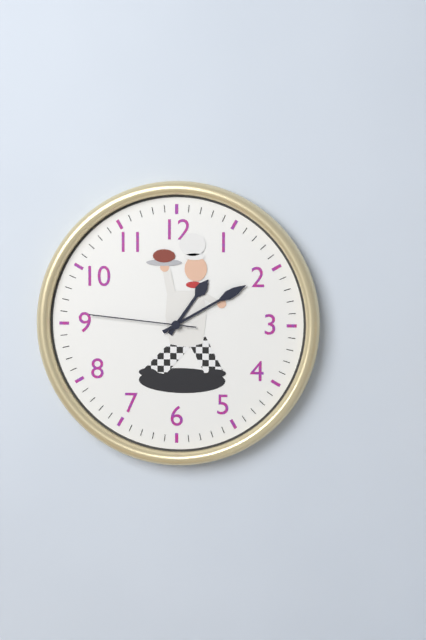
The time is 1h10m46s
